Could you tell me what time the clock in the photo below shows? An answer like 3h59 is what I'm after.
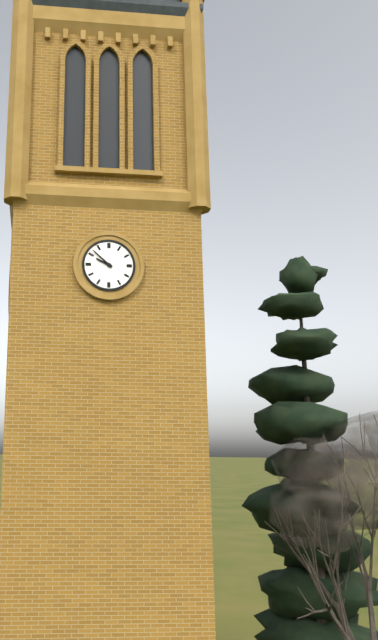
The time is 9h52
